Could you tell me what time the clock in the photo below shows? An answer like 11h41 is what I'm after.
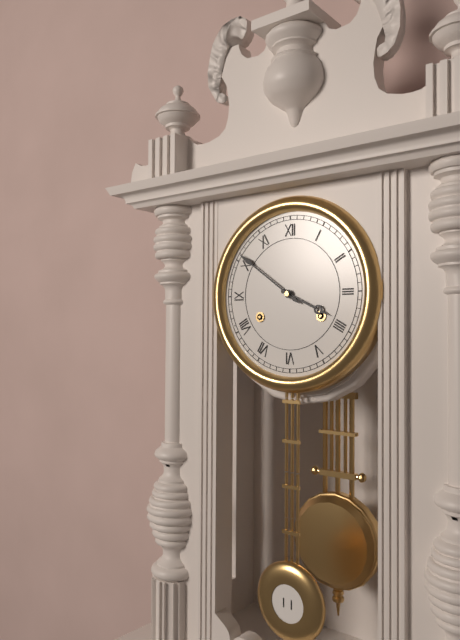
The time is 3h51
